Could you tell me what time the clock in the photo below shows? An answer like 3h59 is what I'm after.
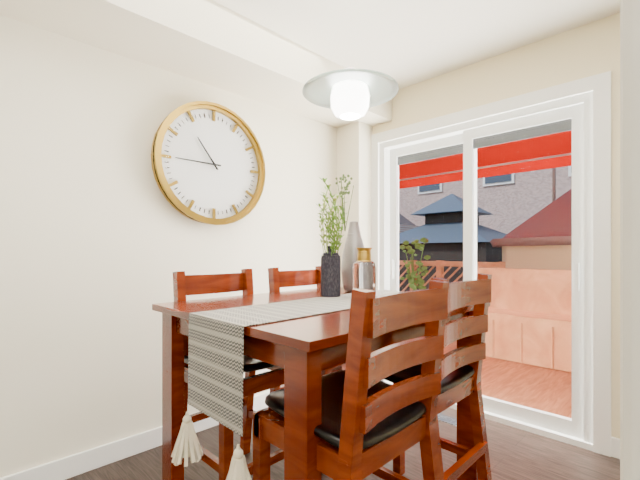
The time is 10h45
